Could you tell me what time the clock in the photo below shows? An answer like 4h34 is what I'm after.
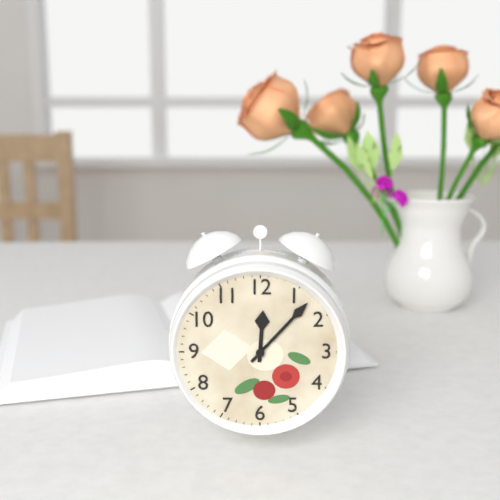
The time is 12h07
